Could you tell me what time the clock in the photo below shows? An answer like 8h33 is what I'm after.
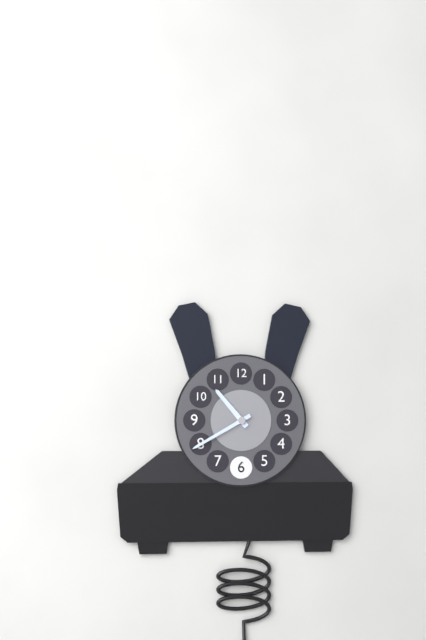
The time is 10h40
